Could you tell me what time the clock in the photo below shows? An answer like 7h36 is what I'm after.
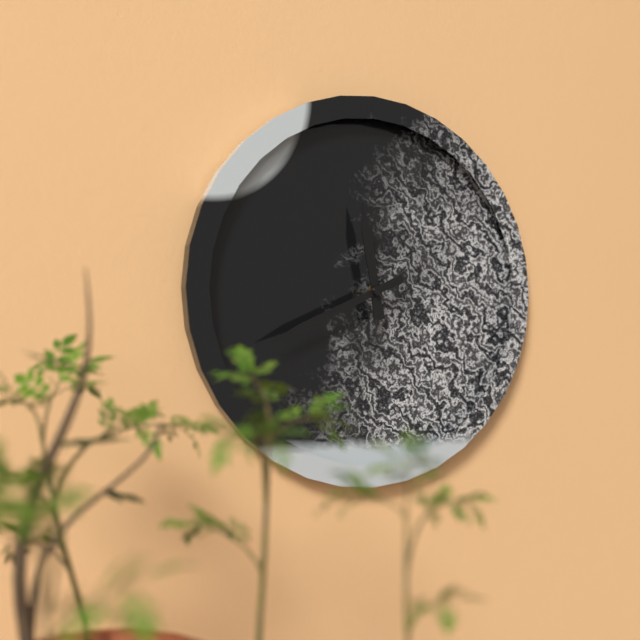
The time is 11h41
